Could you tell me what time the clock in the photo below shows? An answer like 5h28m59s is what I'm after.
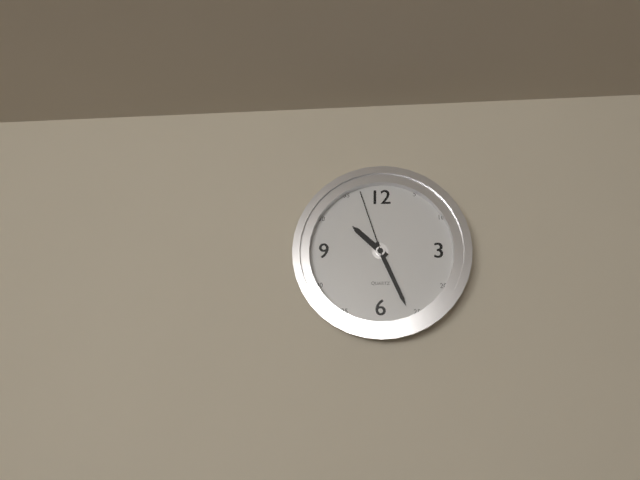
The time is 10h26m57s
